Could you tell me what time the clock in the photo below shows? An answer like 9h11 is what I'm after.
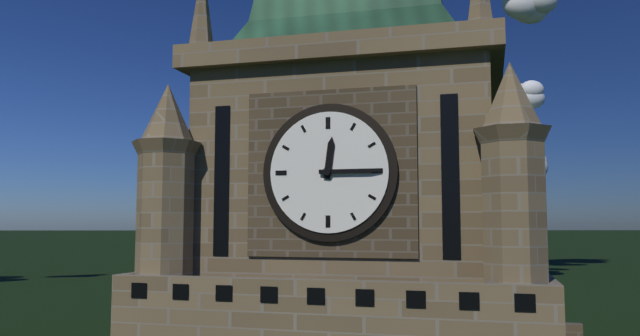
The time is 12h15
